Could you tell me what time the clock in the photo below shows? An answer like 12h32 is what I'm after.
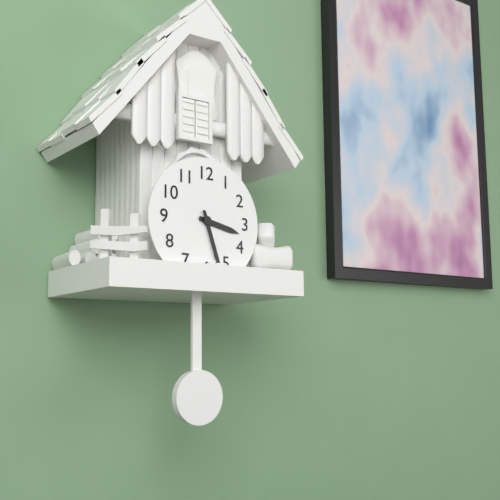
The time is 3h27
